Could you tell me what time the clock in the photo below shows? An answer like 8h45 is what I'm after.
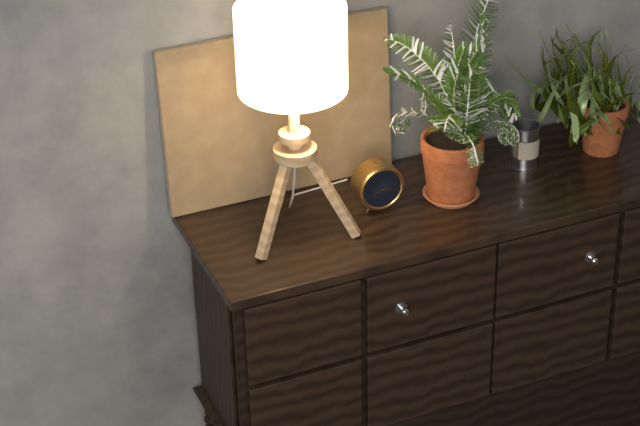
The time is 8h17
